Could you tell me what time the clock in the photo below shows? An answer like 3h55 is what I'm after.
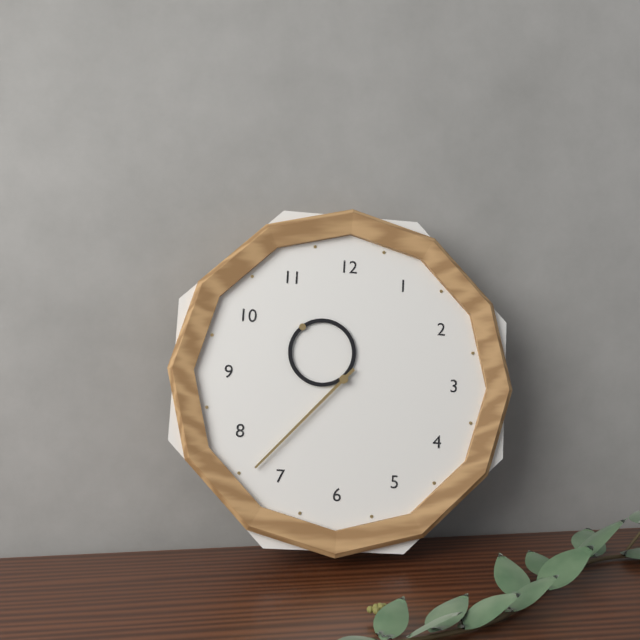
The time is 10h37
